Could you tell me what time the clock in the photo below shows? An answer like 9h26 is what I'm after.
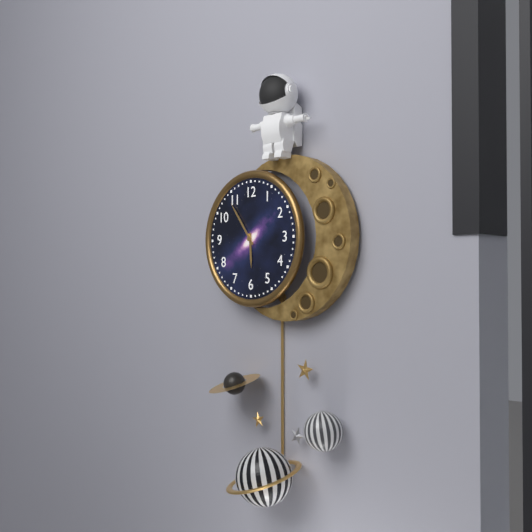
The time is 5h54
